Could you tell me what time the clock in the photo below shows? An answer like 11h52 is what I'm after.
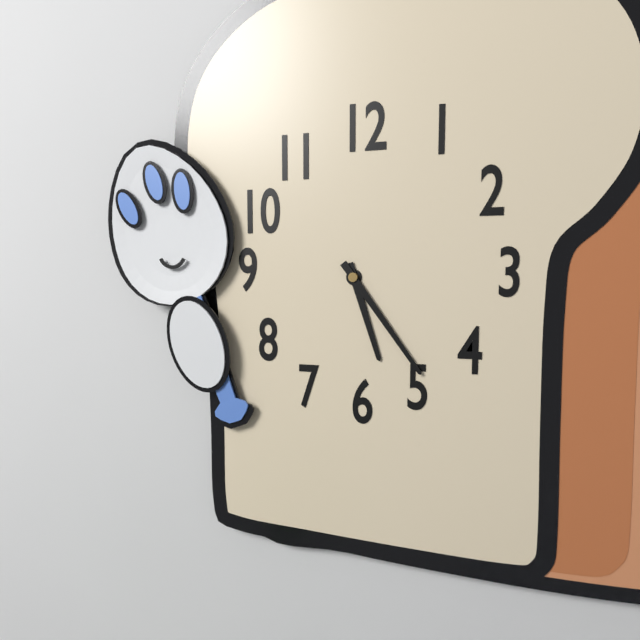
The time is 5h24
